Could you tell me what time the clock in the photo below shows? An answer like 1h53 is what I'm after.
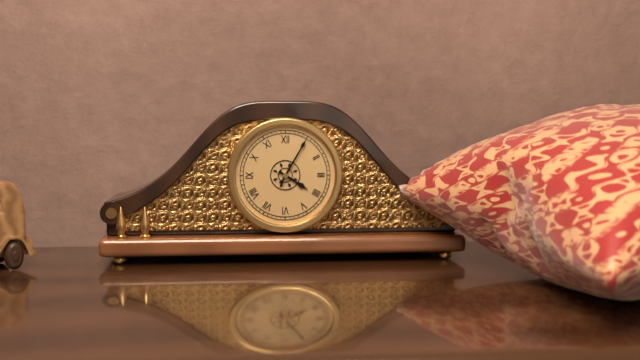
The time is 4h05
